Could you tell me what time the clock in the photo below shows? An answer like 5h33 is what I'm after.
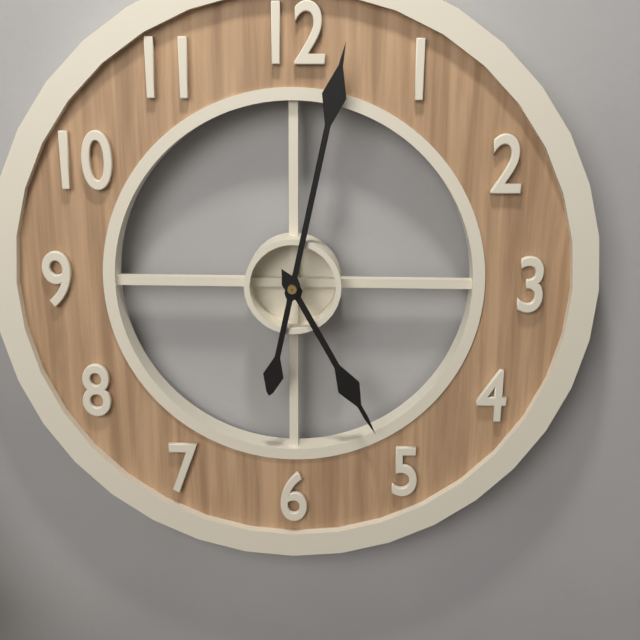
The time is 5h02
